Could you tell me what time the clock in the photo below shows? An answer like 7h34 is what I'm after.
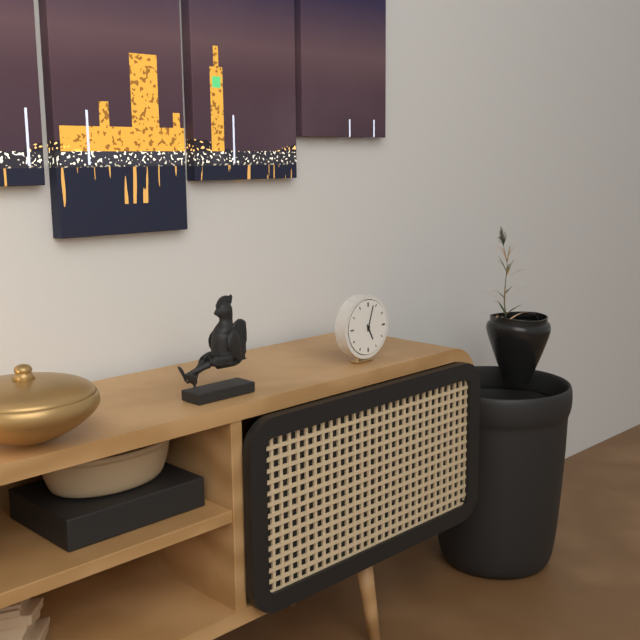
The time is 5h03
